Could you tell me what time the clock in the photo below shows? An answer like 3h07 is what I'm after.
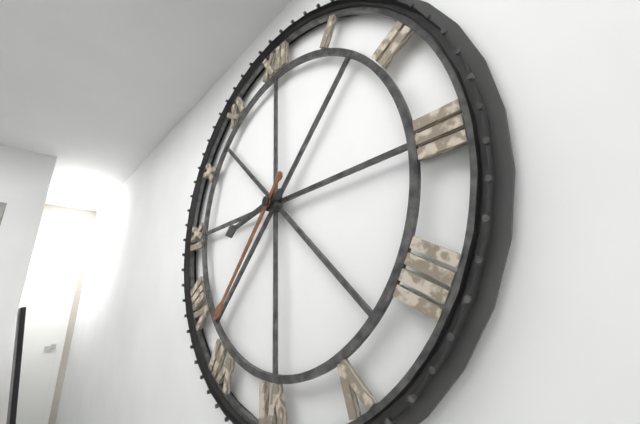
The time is 8h37
